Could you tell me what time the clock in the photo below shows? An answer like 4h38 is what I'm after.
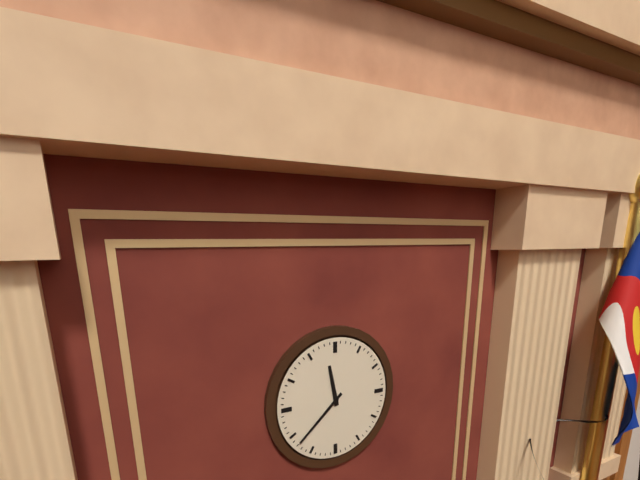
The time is 11h38
